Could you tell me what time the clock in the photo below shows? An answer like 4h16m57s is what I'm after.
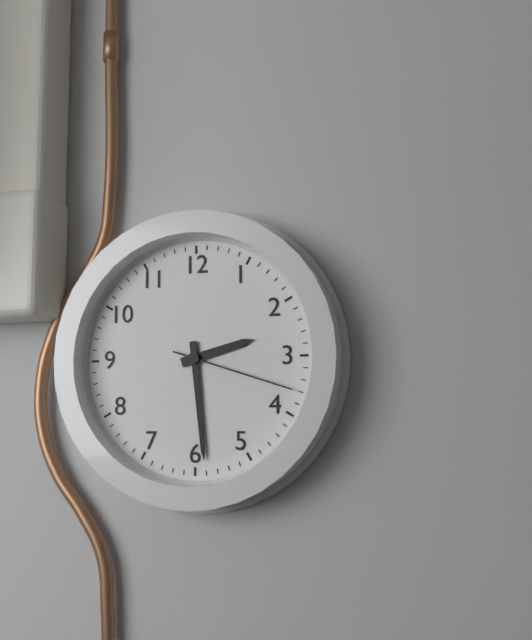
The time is 2h29m18s
